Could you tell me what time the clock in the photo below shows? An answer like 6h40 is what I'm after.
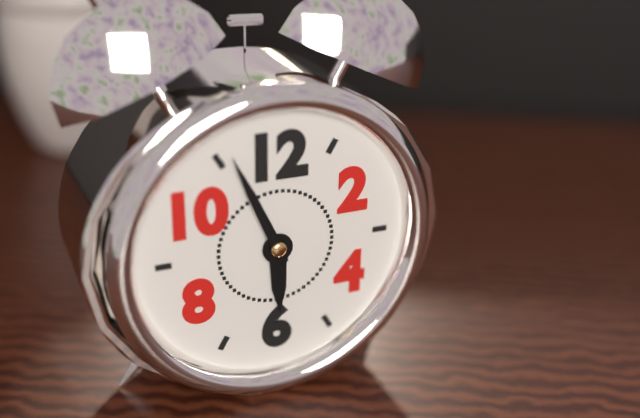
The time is 5h56
